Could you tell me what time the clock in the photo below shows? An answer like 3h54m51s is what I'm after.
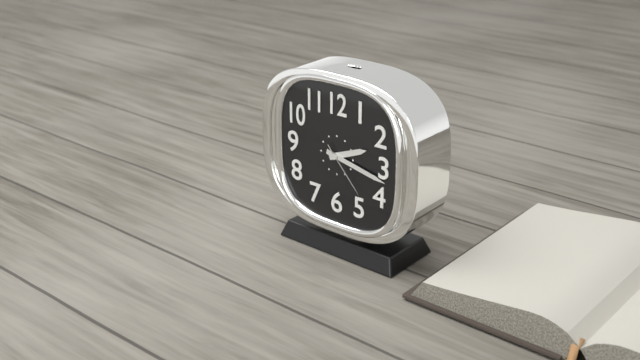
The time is 2h17m23s
